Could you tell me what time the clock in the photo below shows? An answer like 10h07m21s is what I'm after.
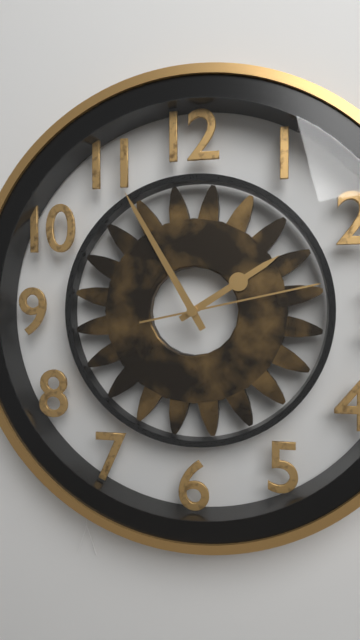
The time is 1h55m13s
